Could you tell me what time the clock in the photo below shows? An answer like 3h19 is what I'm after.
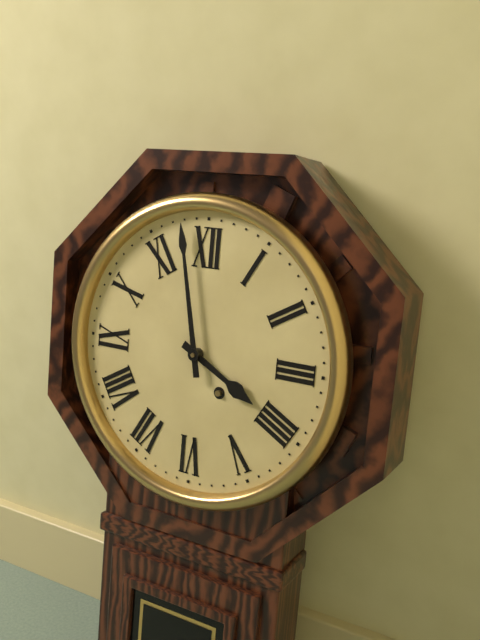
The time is 3h58
